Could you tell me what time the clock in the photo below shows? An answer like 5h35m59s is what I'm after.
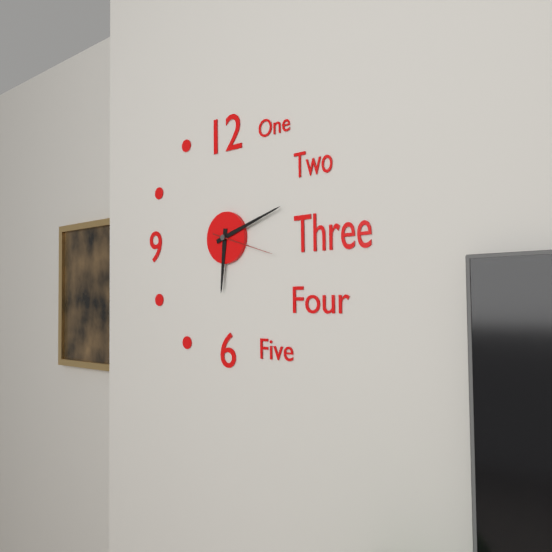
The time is 6h12m18s
